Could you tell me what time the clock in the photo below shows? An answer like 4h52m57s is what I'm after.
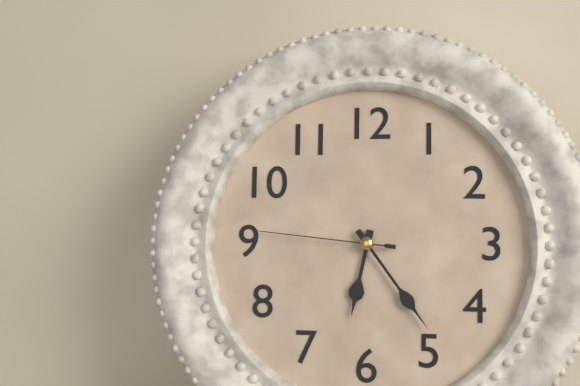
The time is 6h24m46s
